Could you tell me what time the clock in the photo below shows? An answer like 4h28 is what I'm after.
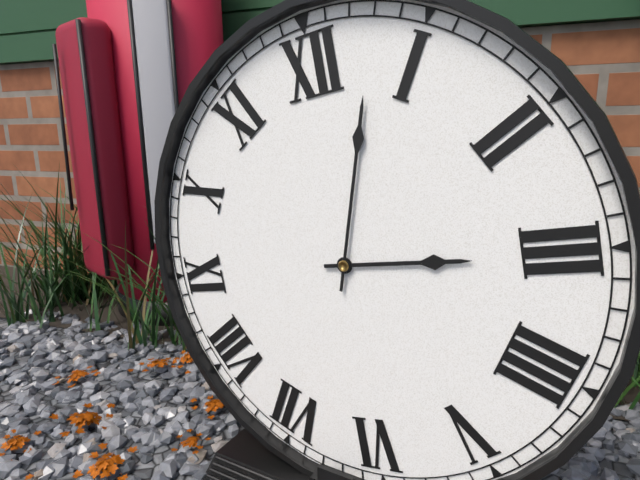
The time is 3h03
